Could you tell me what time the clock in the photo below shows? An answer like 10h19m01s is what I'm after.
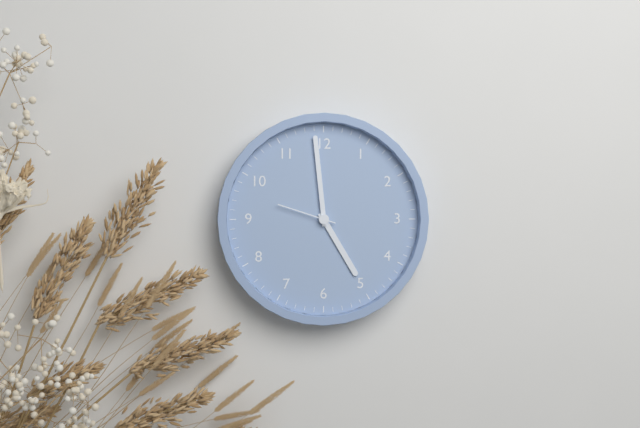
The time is 4h59m48s
